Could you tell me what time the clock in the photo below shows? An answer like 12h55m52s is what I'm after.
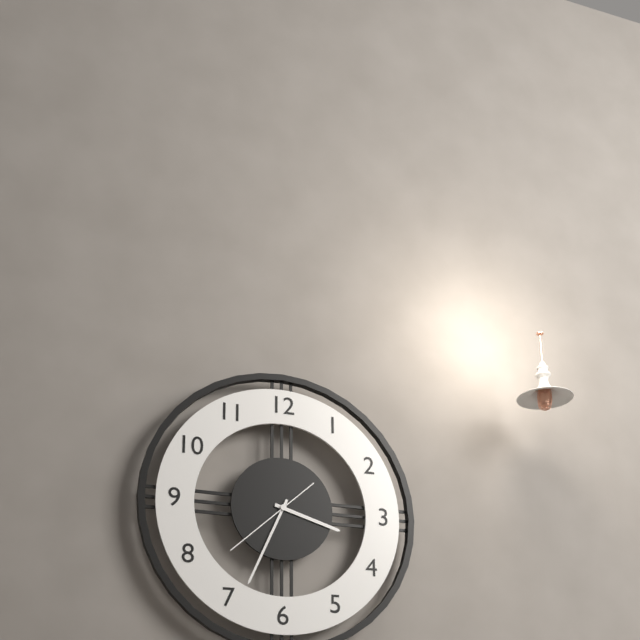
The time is 3h34m38s
